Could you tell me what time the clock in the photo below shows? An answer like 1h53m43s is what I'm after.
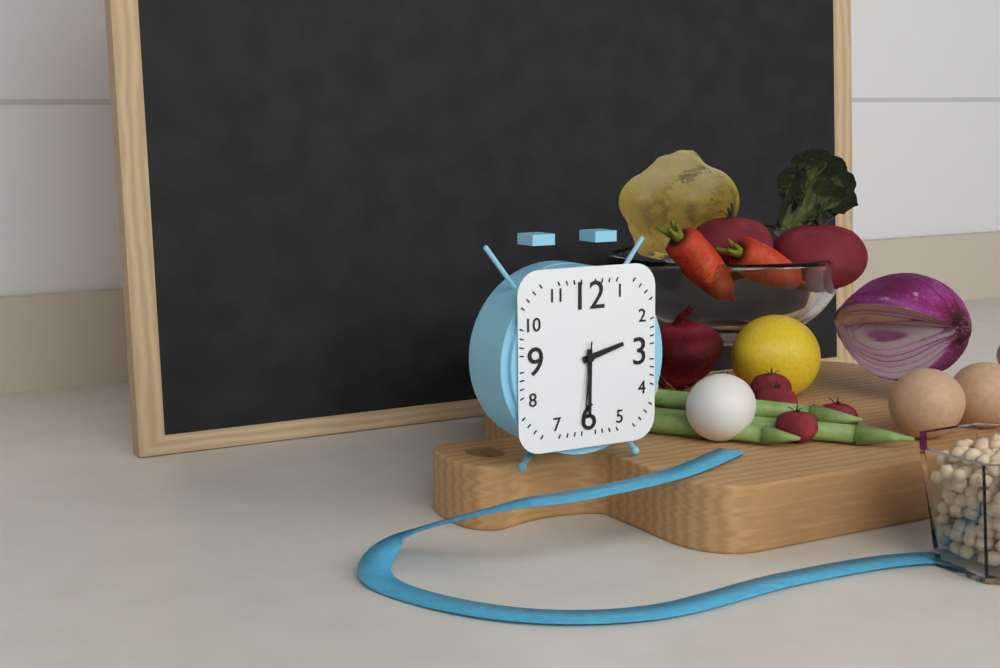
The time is 2h30m31s
